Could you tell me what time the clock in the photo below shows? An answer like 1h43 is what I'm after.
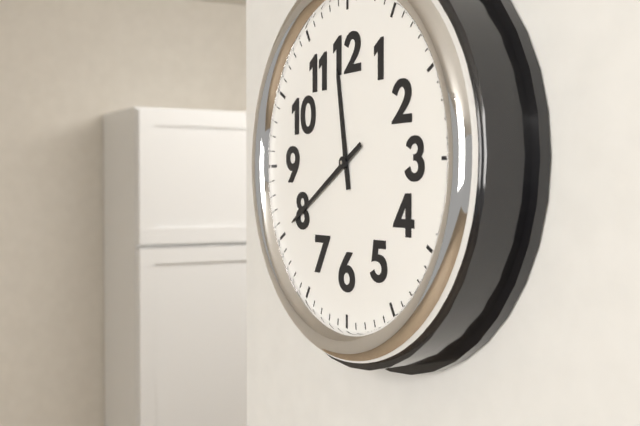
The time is 11h40
